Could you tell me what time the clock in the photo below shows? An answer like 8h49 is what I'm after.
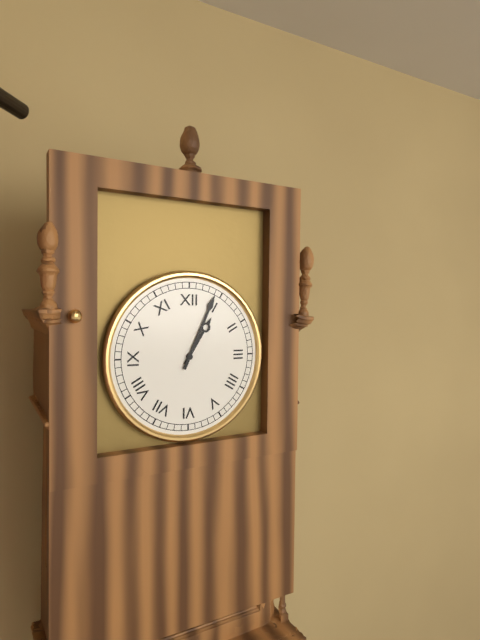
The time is 1h04
